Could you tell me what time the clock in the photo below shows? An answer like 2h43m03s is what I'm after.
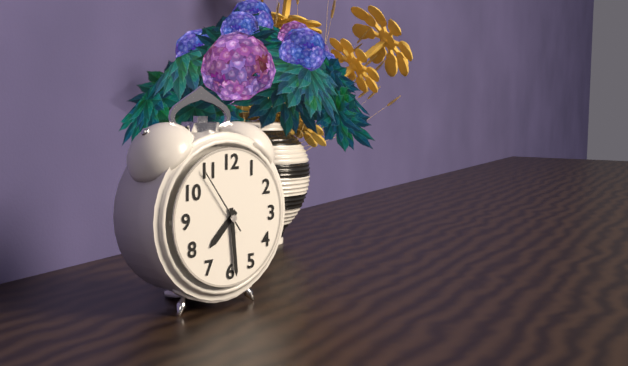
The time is 7h29m54s
